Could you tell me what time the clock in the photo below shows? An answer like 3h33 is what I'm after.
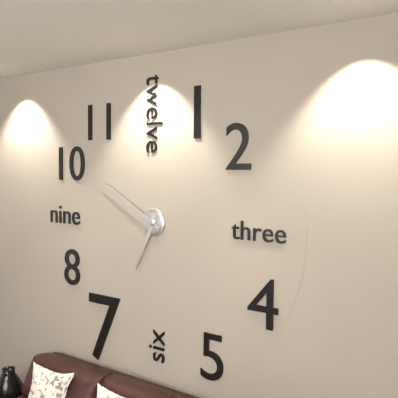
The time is 6h50
